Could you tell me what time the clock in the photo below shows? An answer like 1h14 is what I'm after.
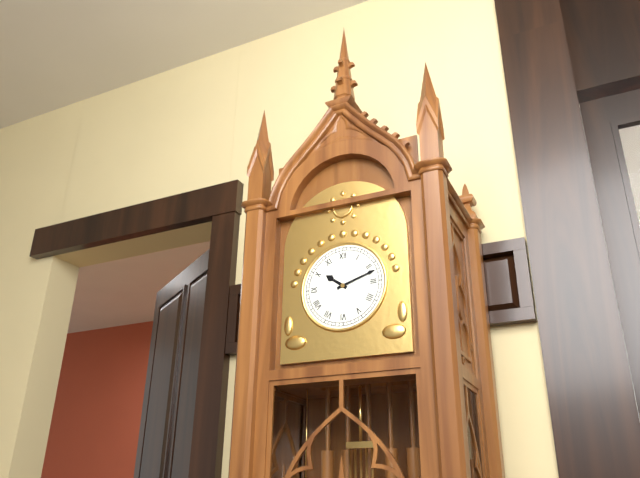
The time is 10h12
